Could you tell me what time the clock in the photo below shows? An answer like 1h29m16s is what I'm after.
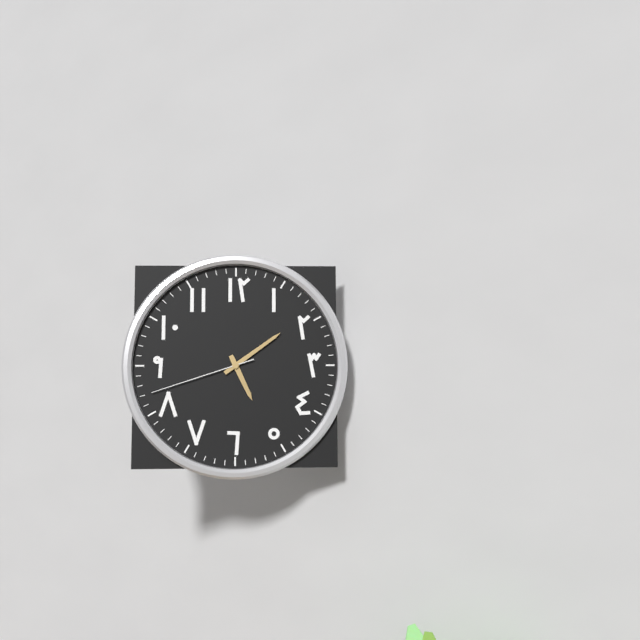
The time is 5h09m42s
